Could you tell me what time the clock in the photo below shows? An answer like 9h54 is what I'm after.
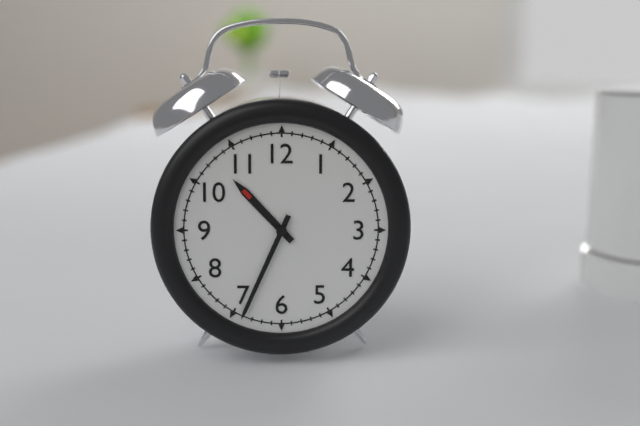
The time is 10h34
